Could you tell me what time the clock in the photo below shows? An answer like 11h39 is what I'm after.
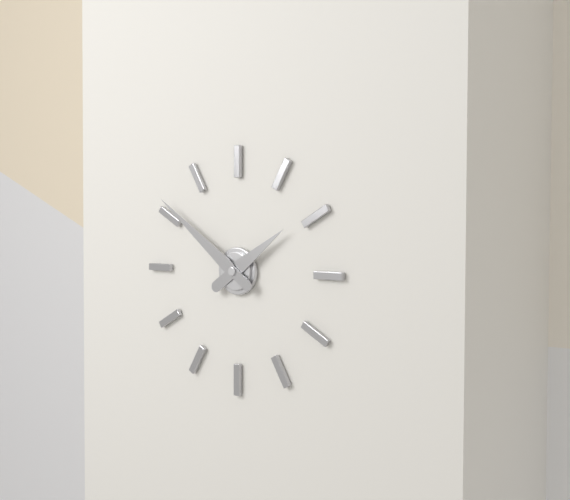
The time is 1h51
